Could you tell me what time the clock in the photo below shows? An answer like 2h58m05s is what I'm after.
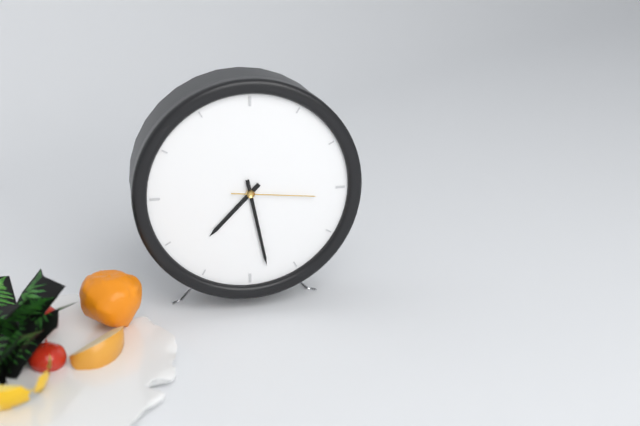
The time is 7h28m16s
